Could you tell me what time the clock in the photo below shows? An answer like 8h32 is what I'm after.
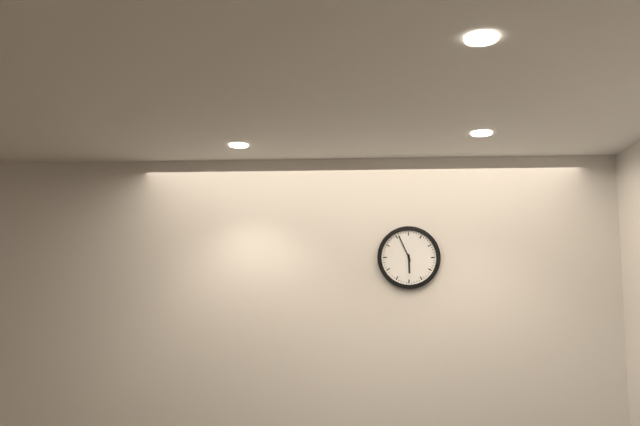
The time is 5h56
